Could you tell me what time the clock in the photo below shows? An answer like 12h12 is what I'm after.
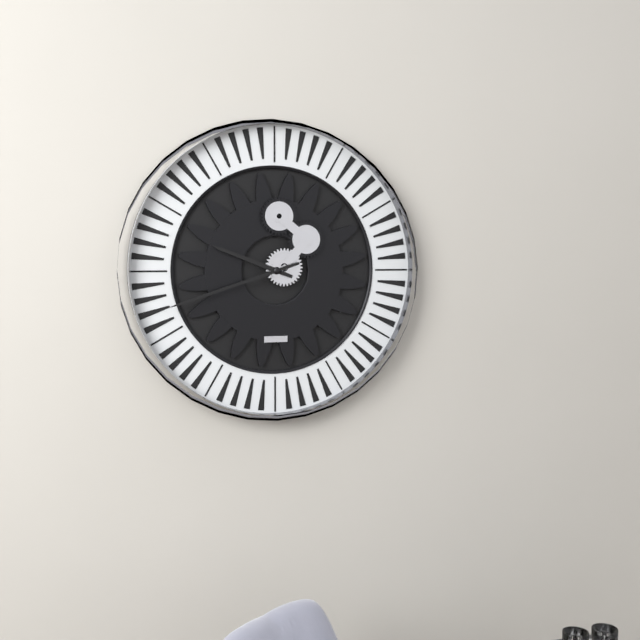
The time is 9h42
